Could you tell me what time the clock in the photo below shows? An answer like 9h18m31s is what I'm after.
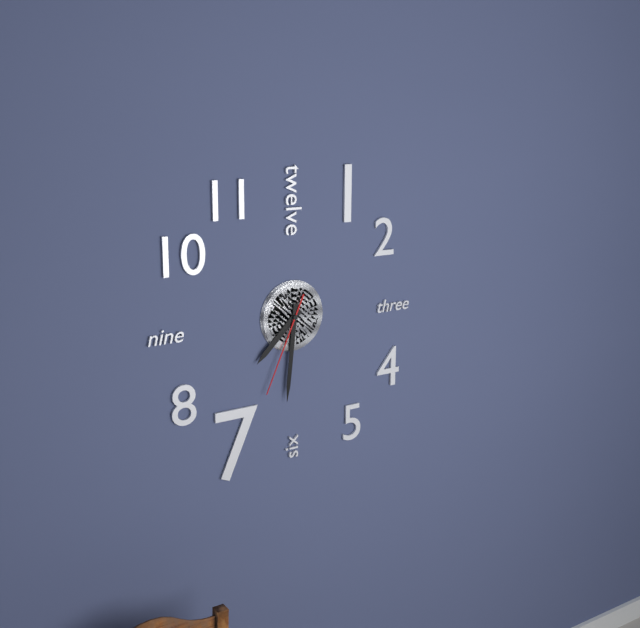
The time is 7h31m34s
